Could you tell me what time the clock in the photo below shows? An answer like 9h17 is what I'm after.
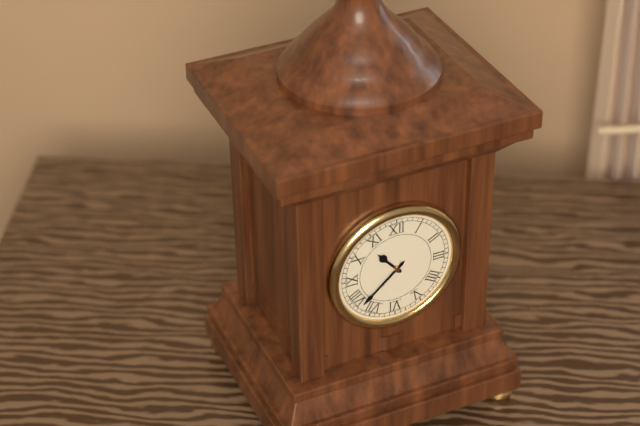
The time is 10h38
